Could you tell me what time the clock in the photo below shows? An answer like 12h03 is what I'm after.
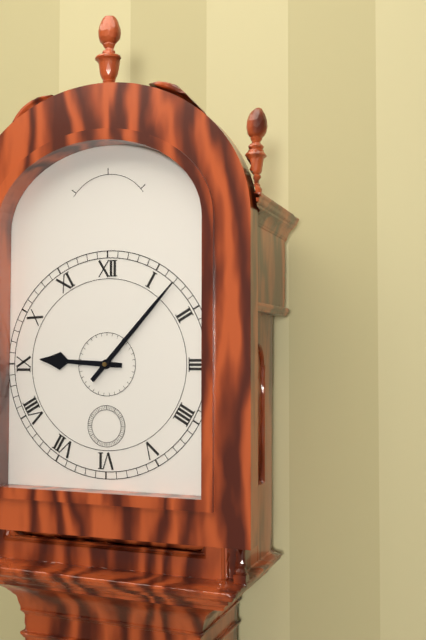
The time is 9h07
